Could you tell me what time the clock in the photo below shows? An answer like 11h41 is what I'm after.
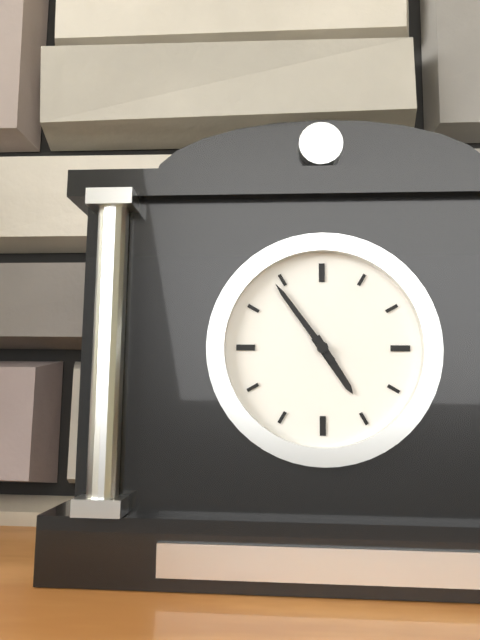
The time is 4h54
